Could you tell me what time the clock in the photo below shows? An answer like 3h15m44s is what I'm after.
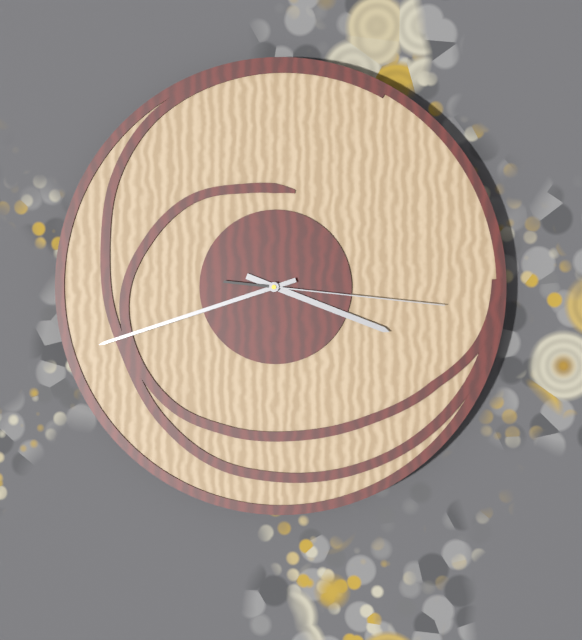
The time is 3h42m16s
